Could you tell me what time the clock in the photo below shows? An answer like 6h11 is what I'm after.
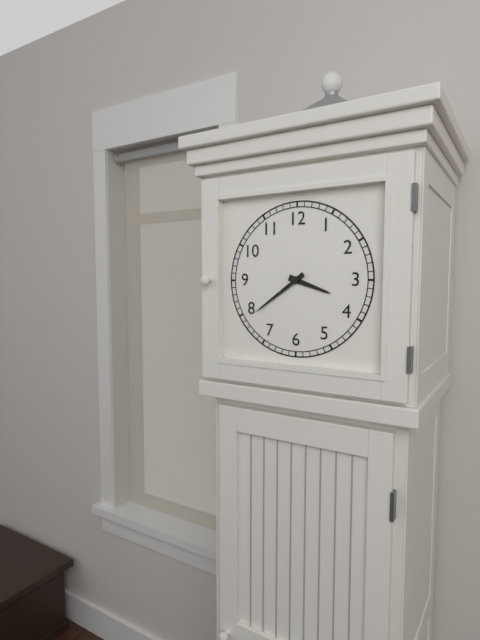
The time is 3h39
